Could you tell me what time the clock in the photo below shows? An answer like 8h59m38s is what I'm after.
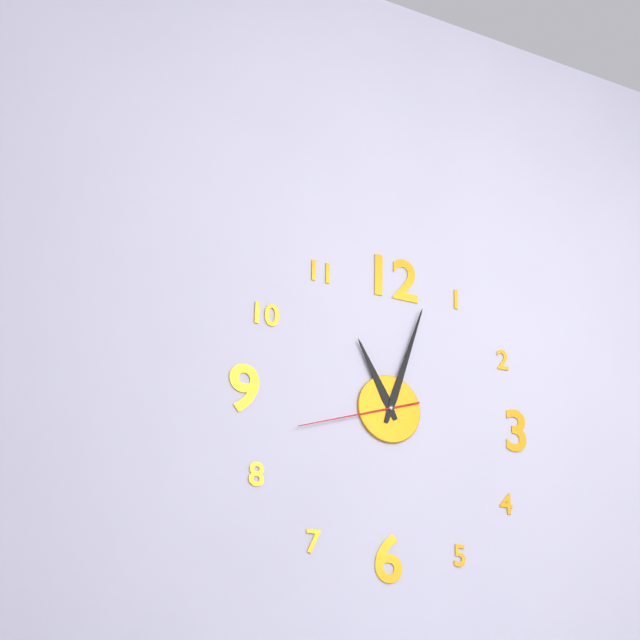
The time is 11h03m42s
